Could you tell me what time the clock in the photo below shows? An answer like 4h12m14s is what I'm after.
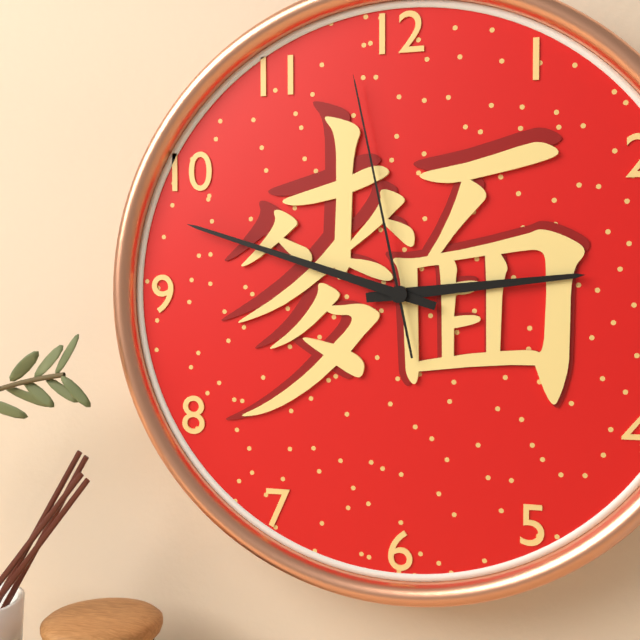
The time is 2h48m58s
